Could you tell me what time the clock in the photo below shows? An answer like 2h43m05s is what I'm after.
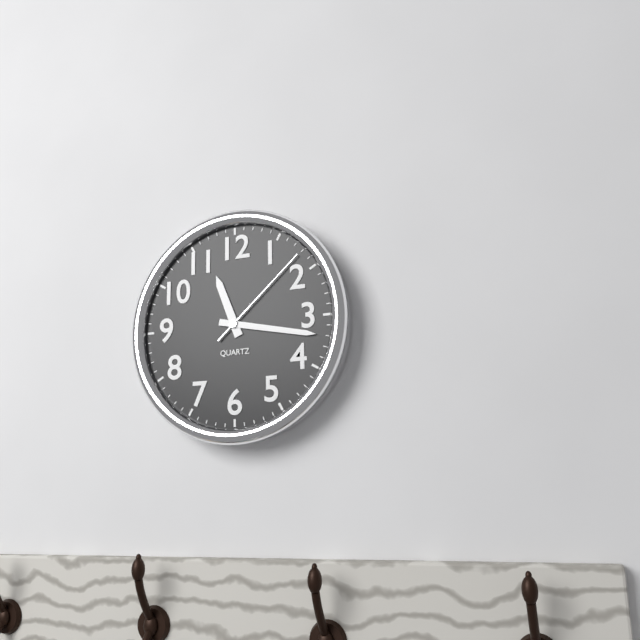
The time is 11h17m08s
